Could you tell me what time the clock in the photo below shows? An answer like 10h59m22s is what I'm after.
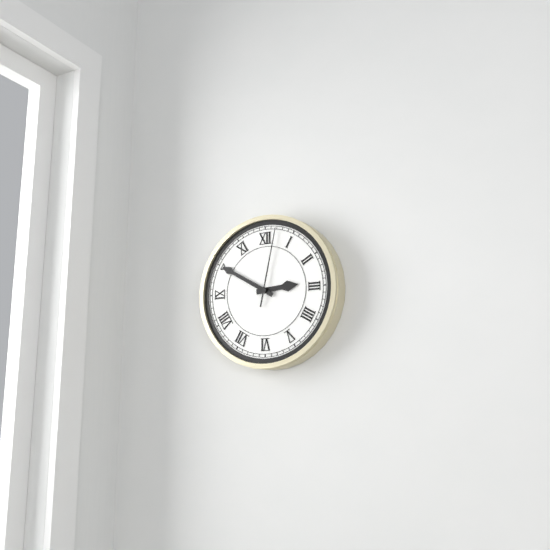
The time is 2h50m02s
